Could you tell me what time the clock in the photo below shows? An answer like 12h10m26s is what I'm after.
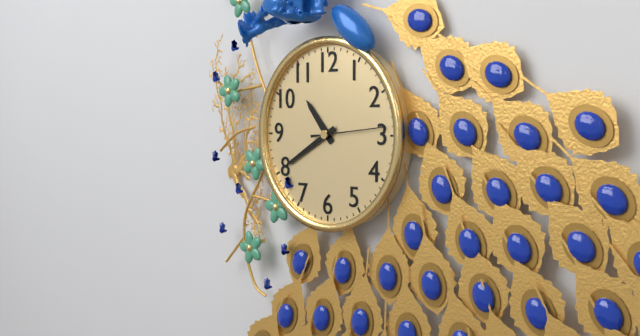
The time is 10h40m14s
